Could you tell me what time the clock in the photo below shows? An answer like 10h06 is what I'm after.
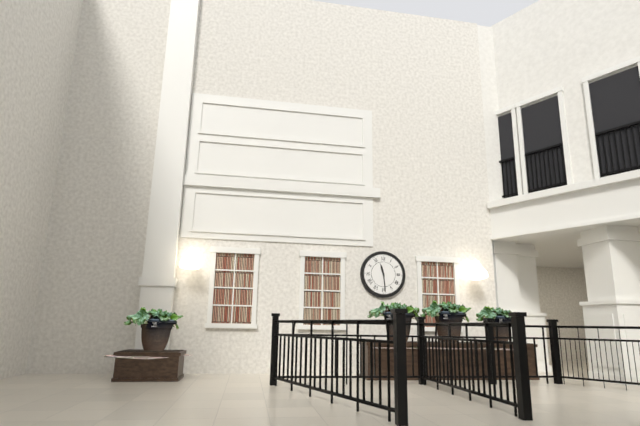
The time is 11h29
